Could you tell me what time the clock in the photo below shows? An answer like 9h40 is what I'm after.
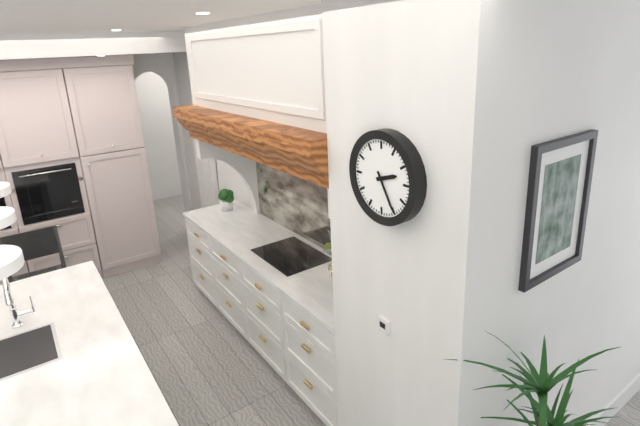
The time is 2h25
